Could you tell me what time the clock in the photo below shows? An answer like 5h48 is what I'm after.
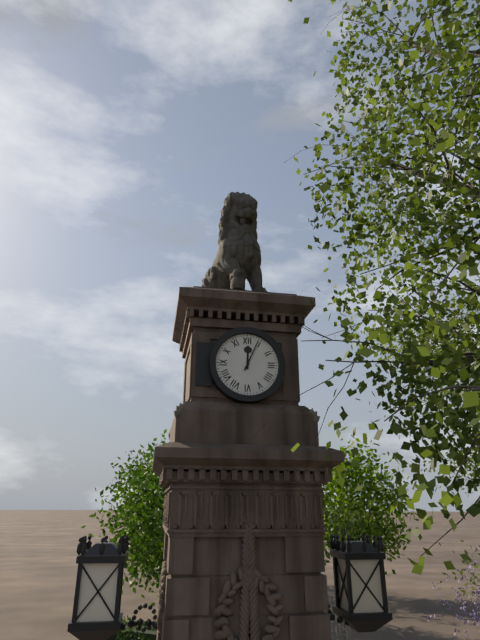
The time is 12h04
